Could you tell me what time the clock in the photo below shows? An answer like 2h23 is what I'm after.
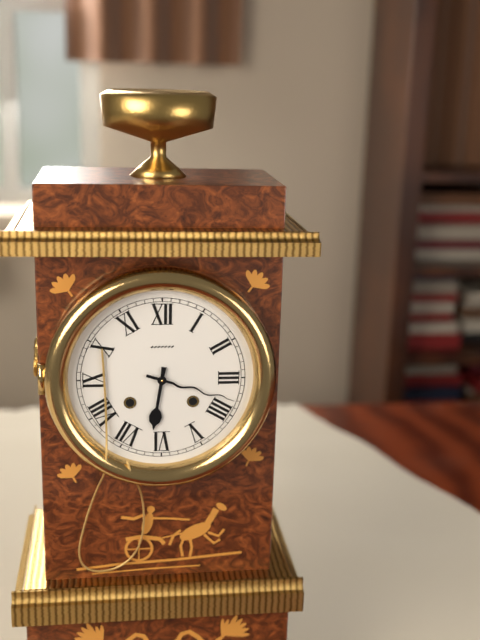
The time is 6h18
